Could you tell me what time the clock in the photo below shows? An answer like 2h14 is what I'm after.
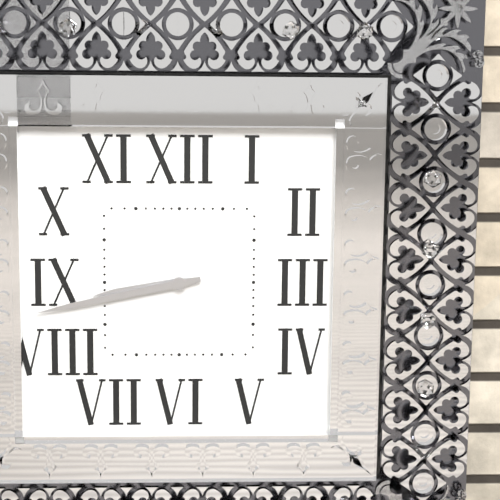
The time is 8h43
